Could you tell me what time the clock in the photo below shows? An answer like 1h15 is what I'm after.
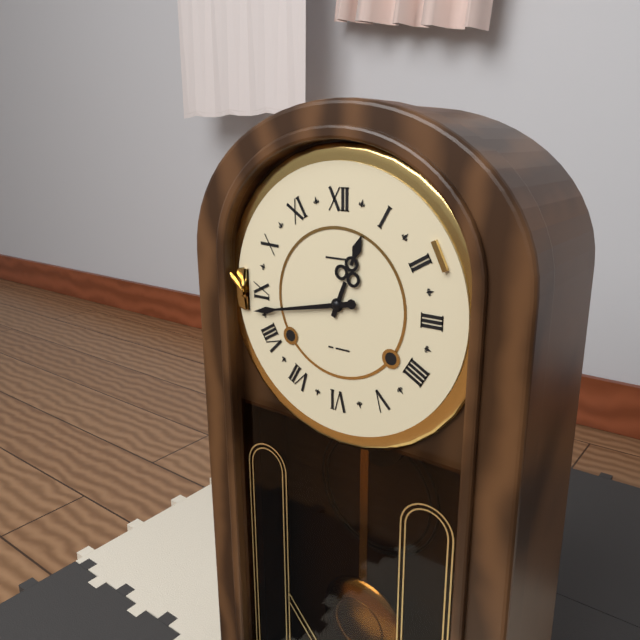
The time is 12h43
